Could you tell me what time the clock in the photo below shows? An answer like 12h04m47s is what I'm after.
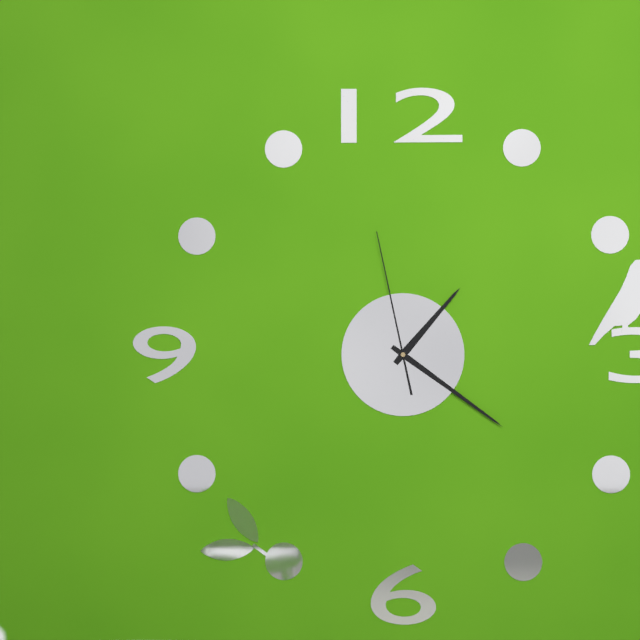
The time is 1h21m58s
